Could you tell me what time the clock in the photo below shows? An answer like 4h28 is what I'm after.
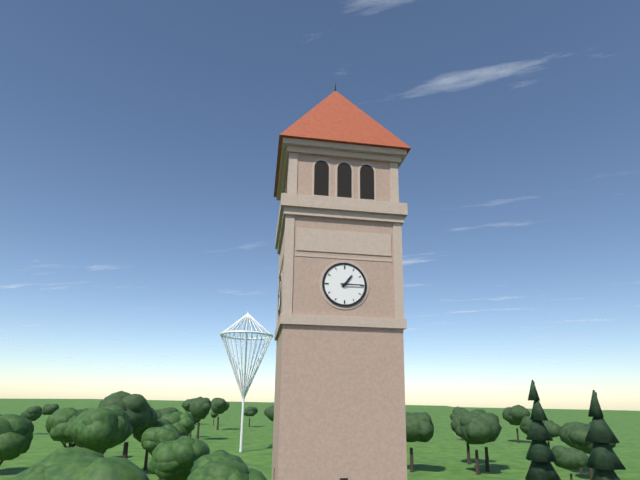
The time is 1h15
